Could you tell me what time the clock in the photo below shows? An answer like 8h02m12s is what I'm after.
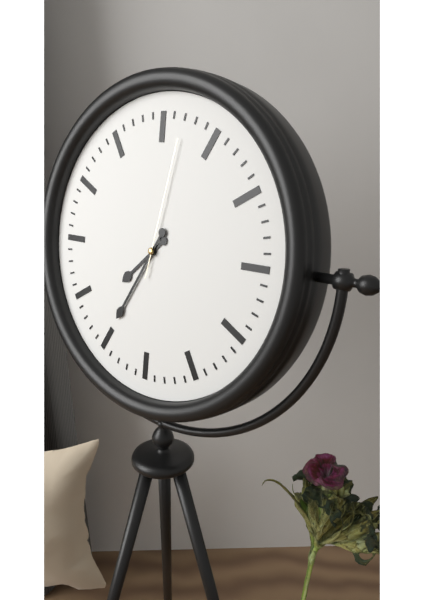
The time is 7h35m02s
